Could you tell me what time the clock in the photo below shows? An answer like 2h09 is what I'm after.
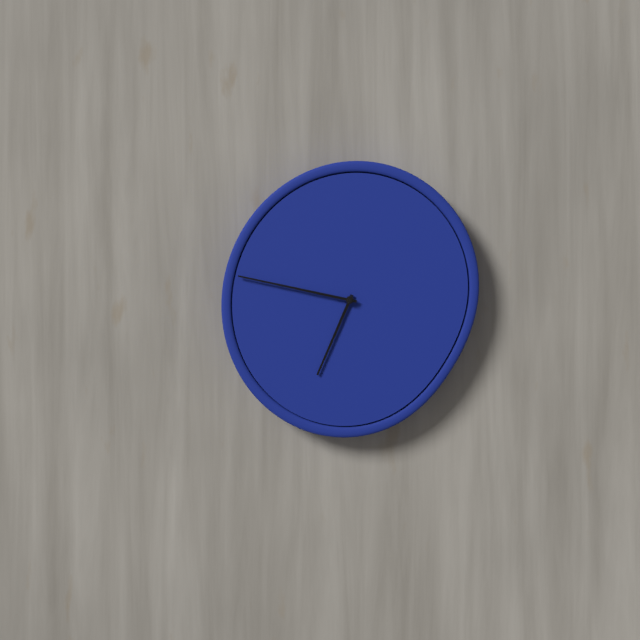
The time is 6h47
